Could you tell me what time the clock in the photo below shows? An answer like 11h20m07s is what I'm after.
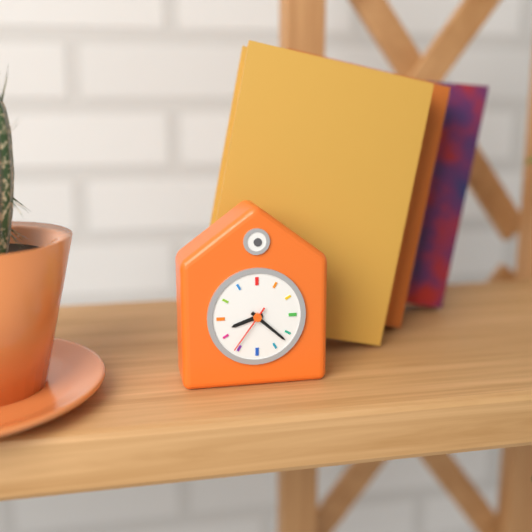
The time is 8h22m36s
